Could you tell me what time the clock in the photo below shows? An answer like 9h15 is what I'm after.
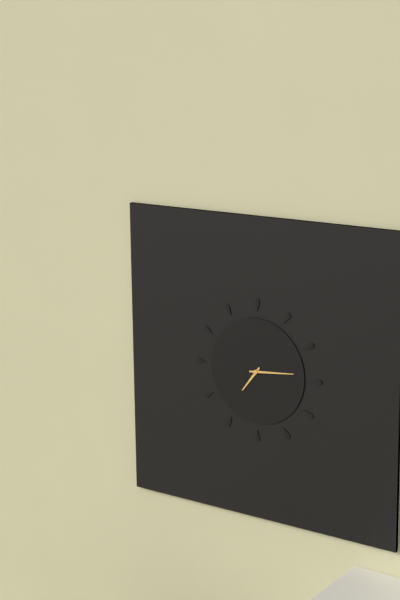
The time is 7h14
